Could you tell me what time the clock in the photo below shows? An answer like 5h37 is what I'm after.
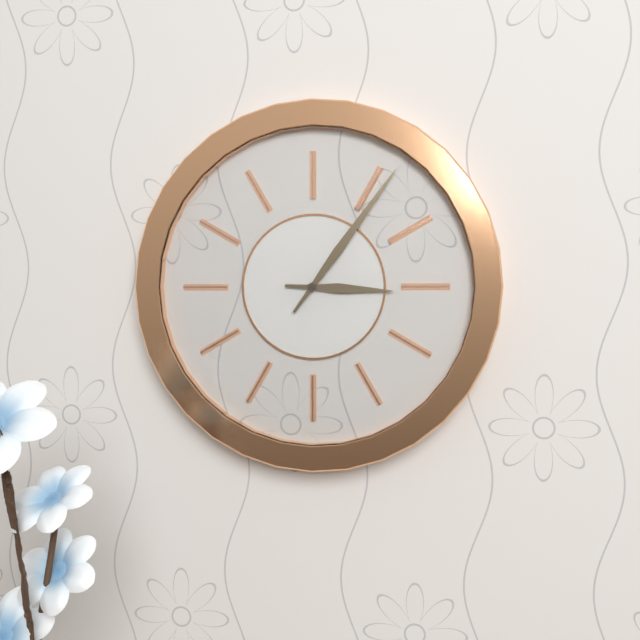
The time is 3h06
